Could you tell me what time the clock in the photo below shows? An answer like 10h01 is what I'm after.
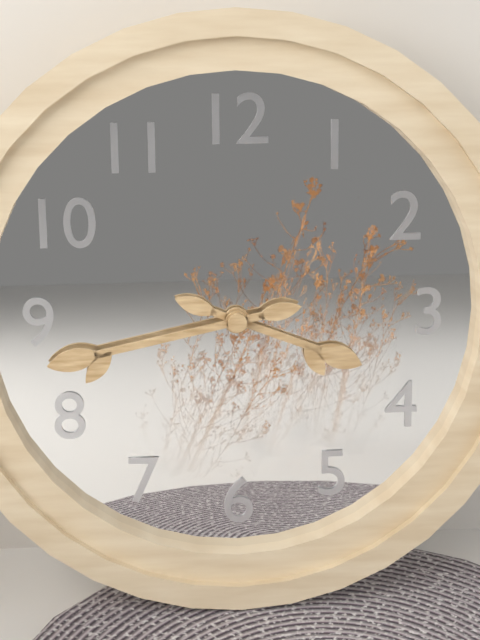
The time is 3h43
